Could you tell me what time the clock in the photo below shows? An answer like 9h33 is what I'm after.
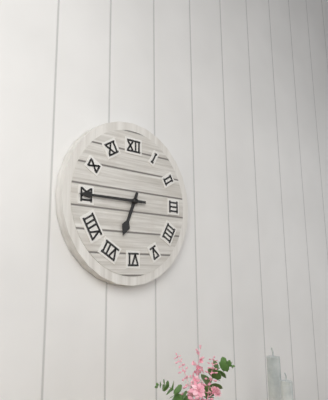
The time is 6h45
